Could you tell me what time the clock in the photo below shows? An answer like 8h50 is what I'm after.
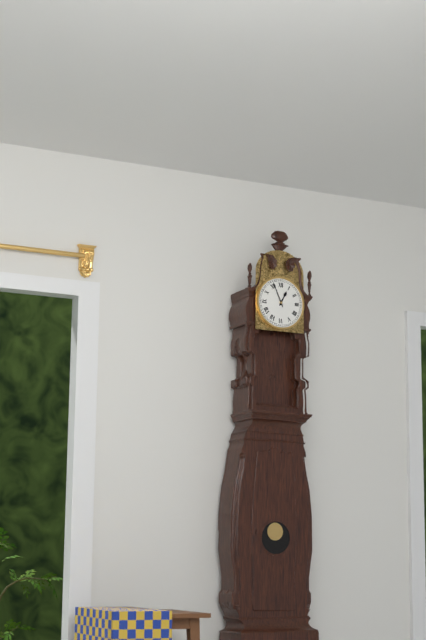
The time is 12h56
